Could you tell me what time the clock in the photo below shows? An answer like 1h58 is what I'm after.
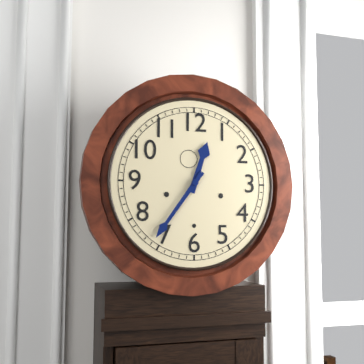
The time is 12h36
